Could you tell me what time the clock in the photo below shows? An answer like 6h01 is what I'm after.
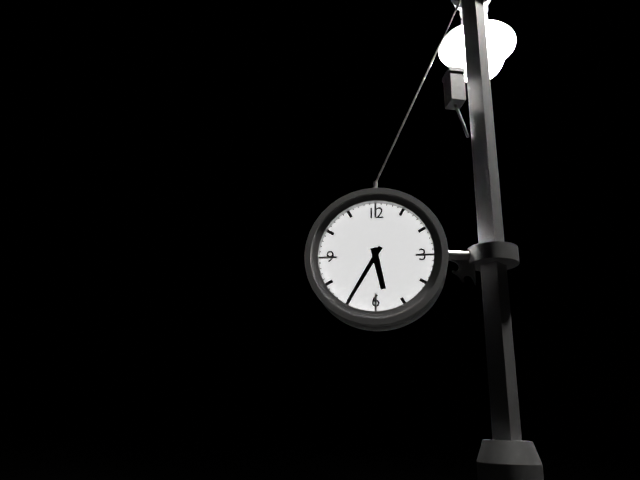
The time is 5h35
